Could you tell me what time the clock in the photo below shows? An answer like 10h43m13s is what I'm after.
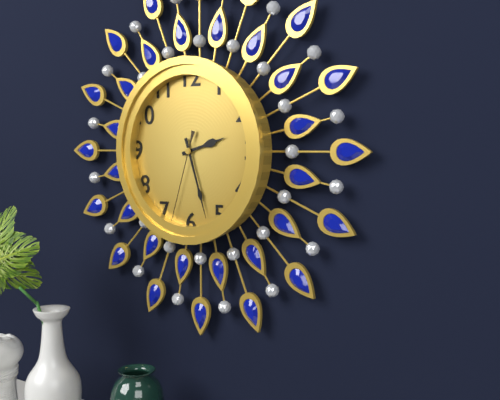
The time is 2h27m33s
